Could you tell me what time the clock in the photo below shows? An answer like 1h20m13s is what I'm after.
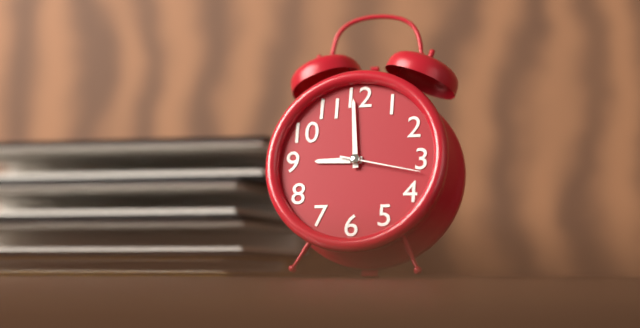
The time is 8h59m17s
